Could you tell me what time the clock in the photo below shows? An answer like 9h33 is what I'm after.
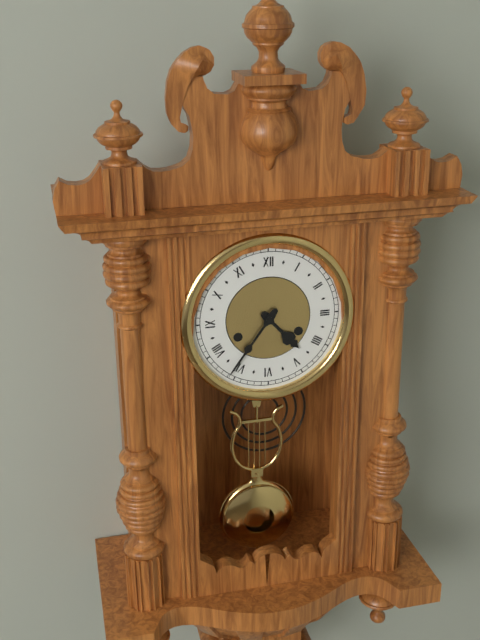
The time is 4h36
